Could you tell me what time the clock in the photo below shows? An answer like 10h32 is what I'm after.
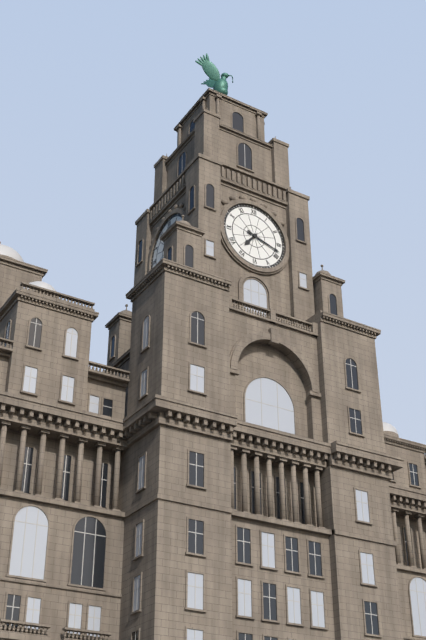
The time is 7h18
